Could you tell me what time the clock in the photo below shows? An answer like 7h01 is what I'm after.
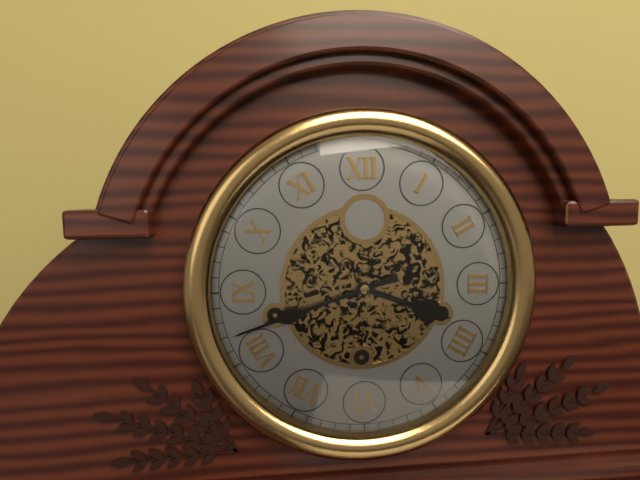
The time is 3h42
